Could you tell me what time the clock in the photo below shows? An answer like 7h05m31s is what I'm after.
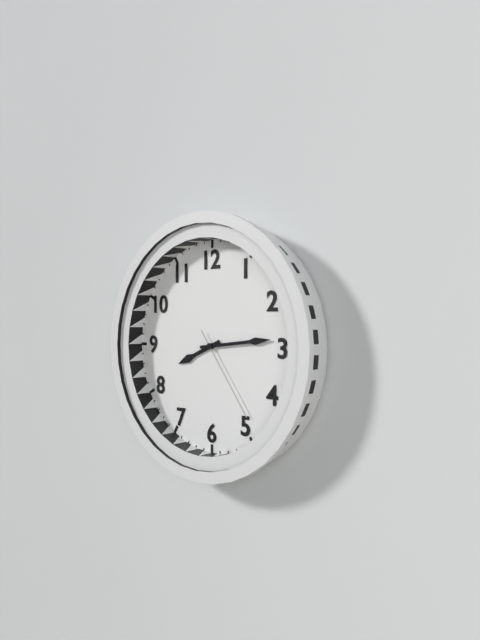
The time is 8h14m24s
